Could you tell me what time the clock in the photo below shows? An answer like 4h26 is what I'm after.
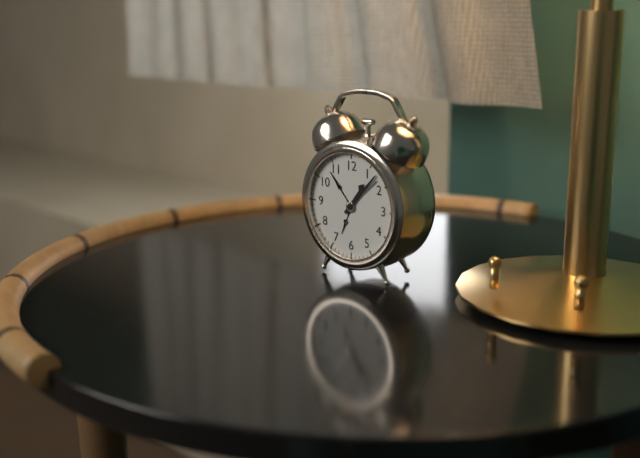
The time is 1h07
